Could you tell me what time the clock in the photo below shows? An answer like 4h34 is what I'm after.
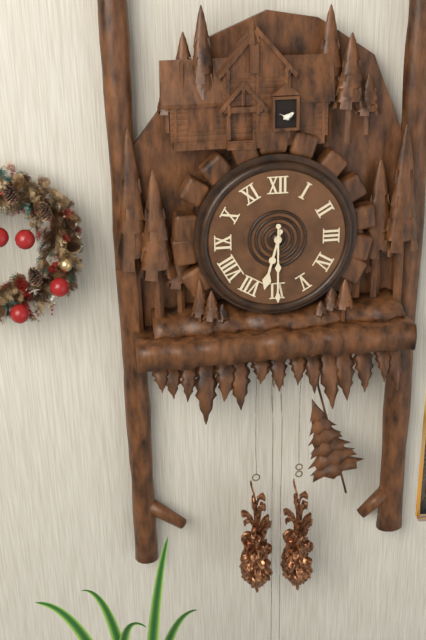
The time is 6h30
